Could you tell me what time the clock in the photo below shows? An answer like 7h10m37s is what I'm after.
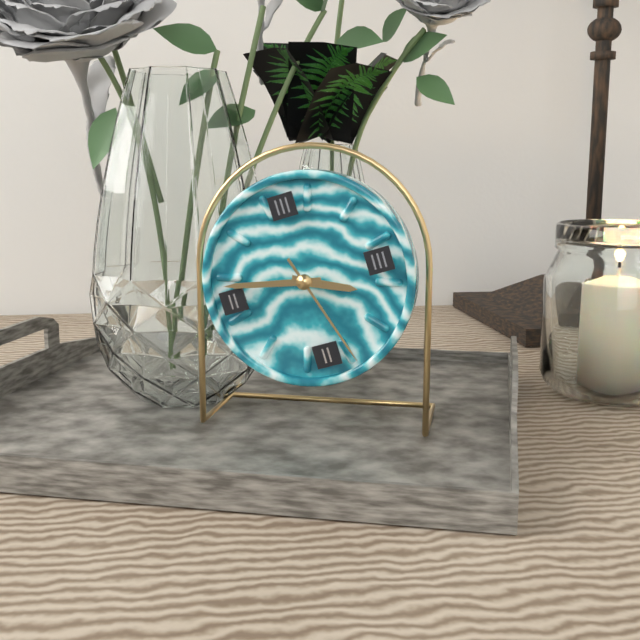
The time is 3h47m27s
